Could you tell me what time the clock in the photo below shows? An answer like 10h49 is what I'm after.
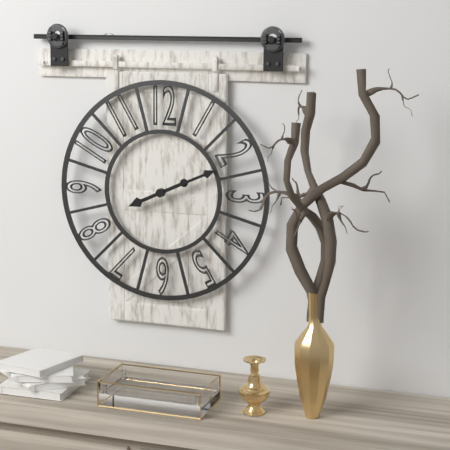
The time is 8h11
